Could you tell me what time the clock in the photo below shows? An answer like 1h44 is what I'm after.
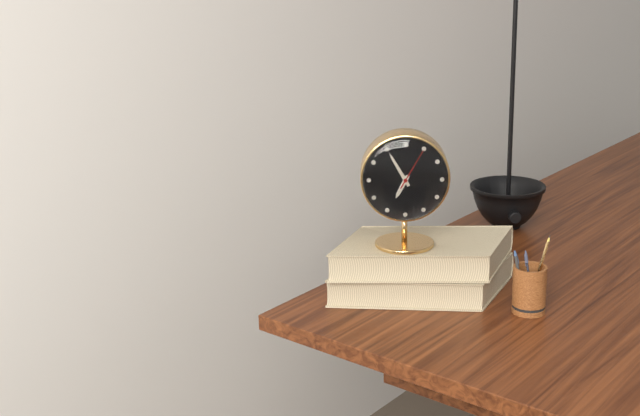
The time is 6h55
